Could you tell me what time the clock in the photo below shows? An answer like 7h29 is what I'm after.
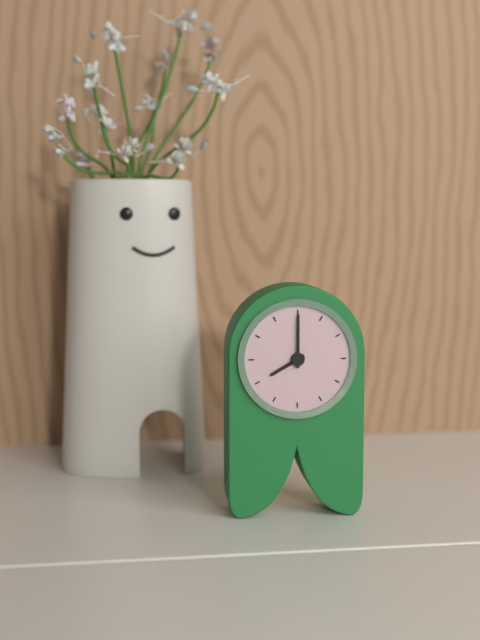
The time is 8h00
